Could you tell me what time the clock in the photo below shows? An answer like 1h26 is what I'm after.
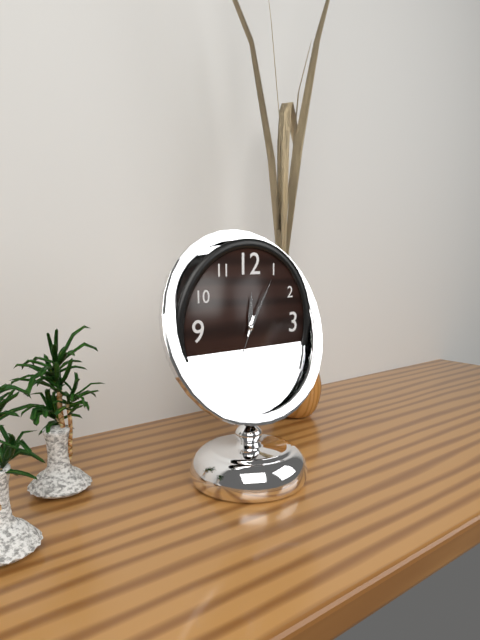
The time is 12h05
